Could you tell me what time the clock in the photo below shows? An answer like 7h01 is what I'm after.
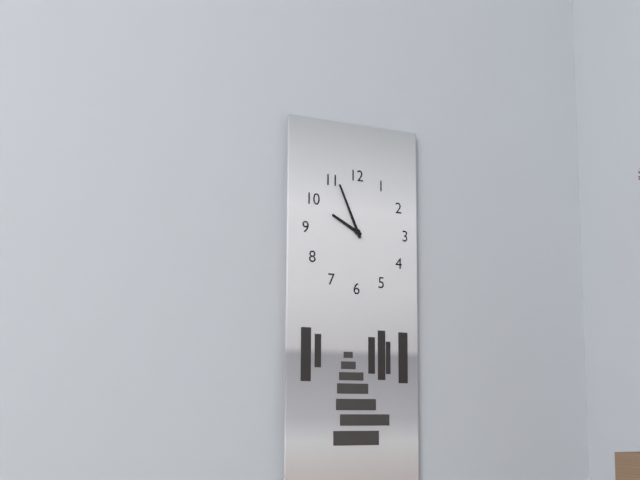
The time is 9h56
